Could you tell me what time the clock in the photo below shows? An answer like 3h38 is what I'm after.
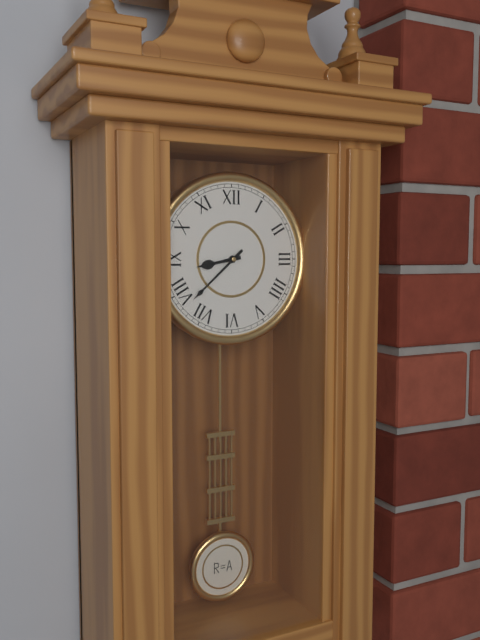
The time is 8h38
